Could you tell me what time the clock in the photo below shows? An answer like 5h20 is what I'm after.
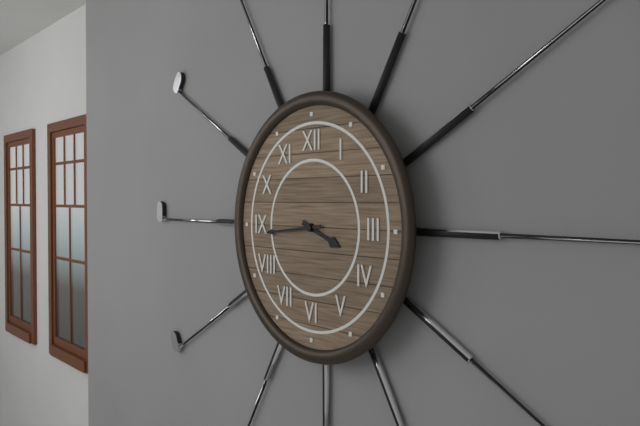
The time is 3h44
